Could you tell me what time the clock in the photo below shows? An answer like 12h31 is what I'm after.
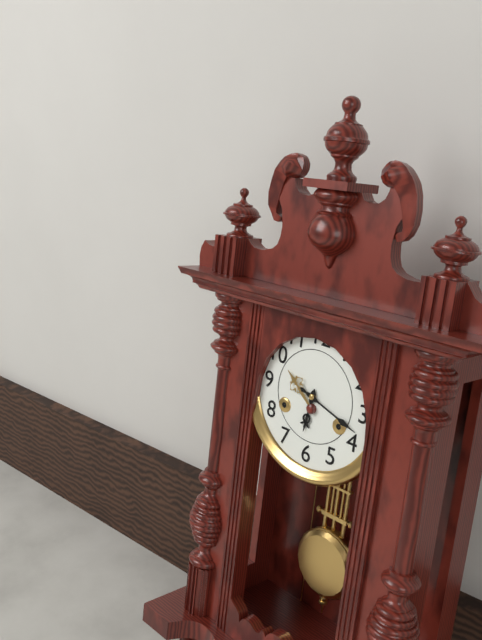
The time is 6h18
